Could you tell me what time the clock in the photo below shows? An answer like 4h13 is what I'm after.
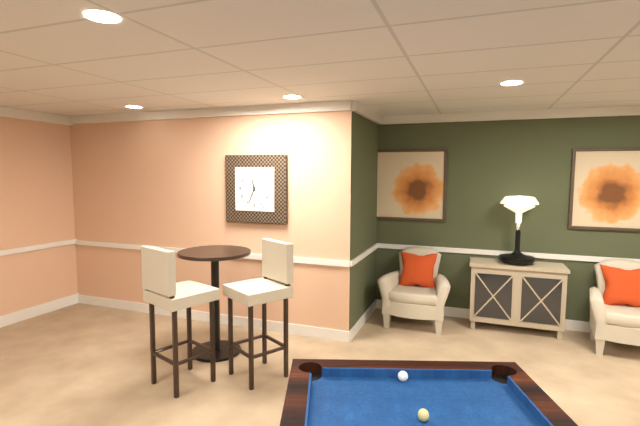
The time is 11h34
